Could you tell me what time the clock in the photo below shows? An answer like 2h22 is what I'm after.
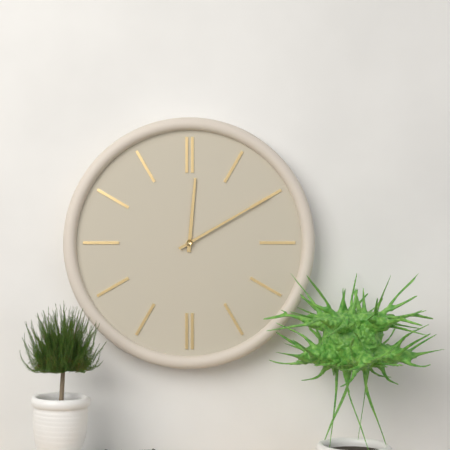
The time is 12h10
